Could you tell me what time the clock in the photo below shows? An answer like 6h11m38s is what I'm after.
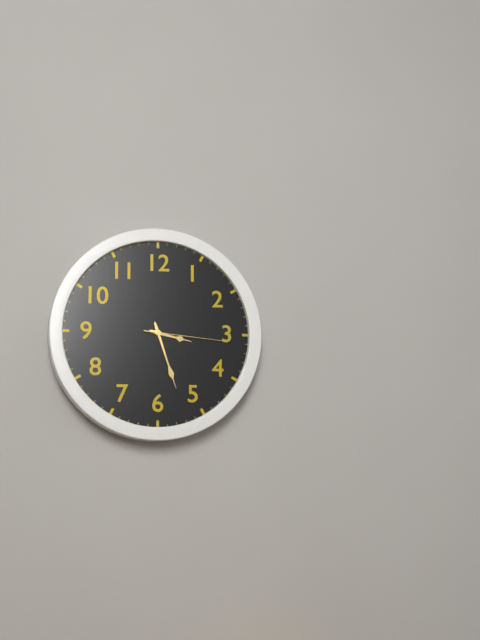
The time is 3h27m16s
